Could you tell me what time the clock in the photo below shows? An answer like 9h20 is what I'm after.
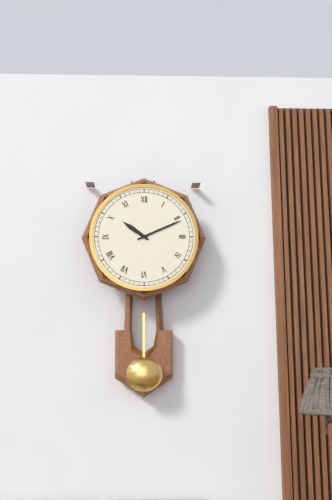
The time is 10h11
